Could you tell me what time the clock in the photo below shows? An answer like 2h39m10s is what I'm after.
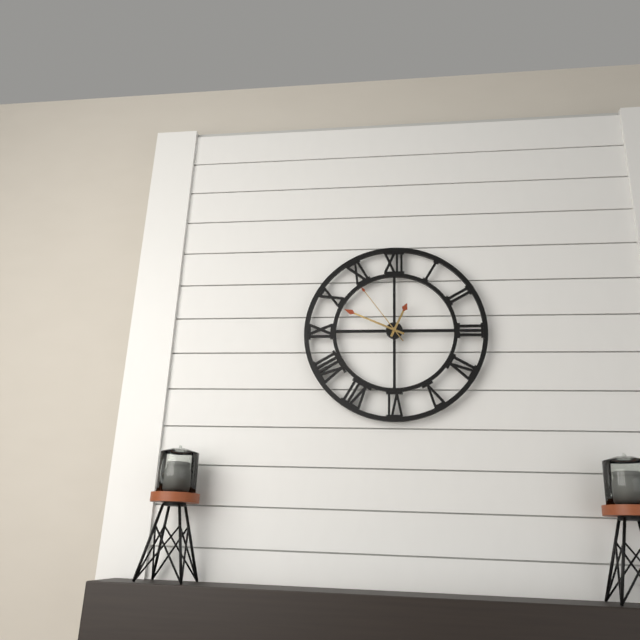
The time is 12h49m54s
